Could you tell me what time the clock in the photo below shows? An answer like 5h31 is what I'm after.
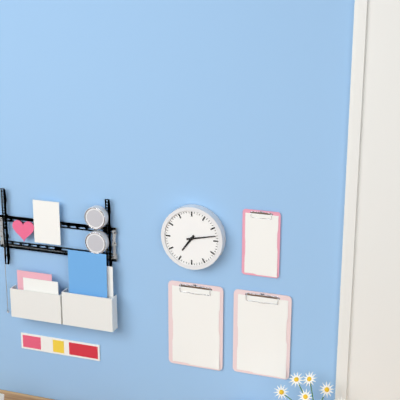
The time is 7h13
